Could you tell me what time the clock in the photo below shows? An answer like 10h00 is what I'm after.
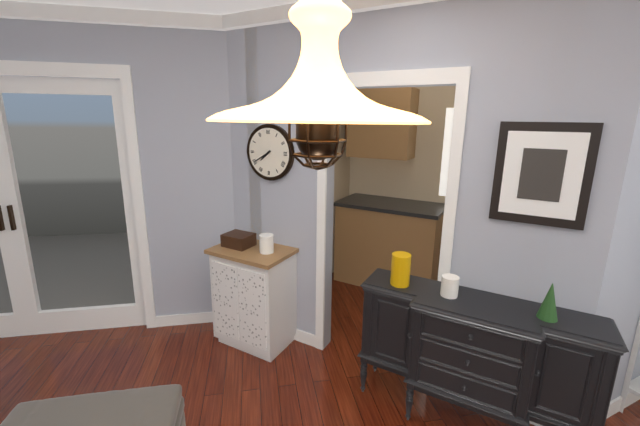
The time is 7h40
